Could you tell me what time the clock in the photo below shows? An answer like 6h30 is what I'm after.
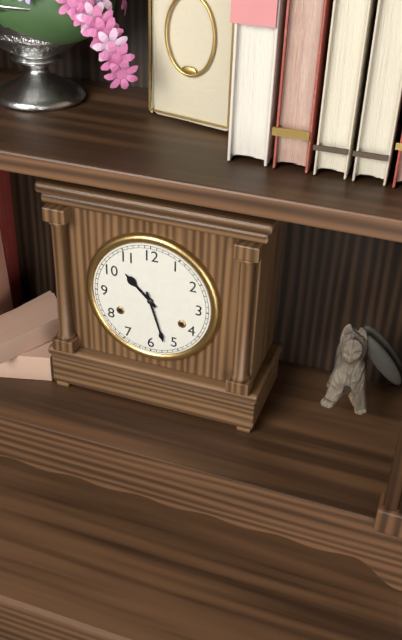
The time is 10h27
